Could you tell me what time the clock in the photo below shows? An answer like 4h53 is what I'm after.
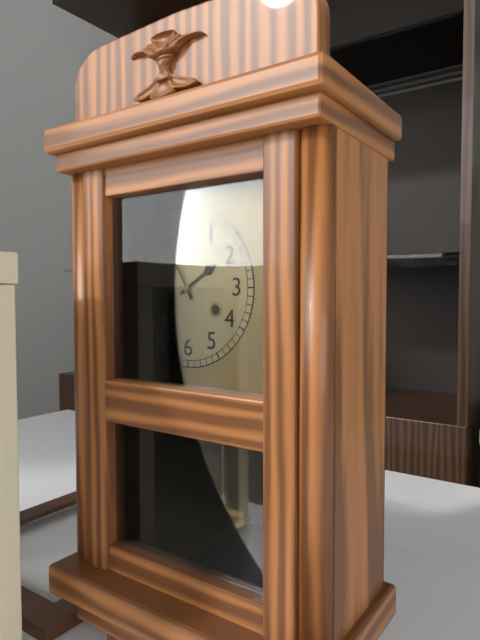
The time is 1h55
